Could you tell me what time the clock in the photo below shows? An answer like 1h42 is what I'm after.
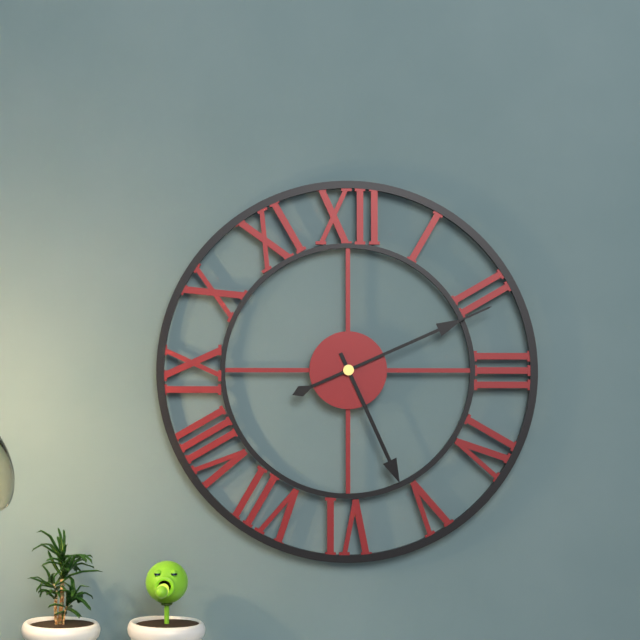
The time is 5h11
